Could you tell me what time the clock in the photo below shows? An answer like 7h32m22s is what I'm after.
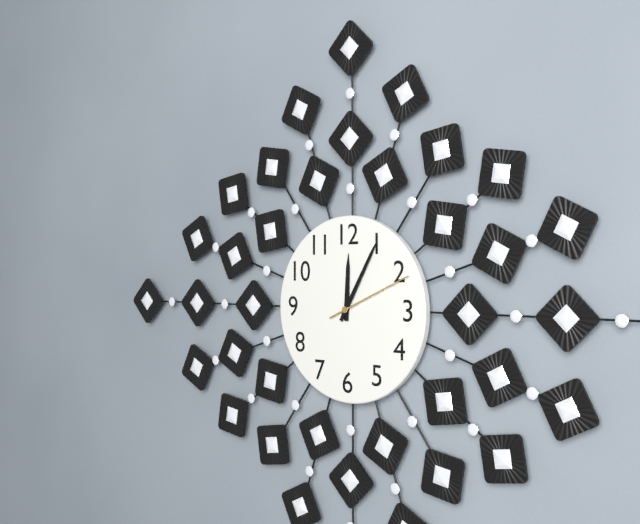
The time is 12h05m11s
